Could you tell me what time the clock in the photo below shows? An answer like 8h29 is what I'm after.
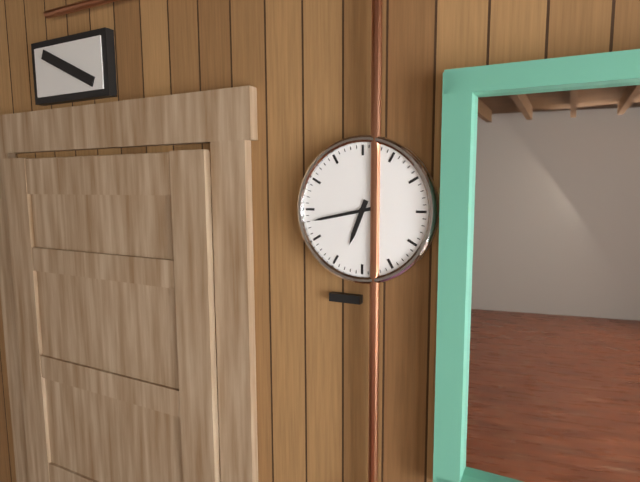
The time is 6h43
